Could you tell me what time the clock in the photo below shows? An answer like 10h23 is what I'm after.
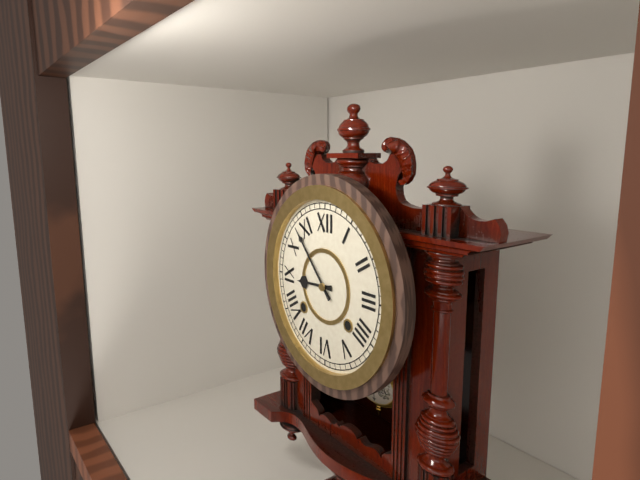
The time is 8h53
